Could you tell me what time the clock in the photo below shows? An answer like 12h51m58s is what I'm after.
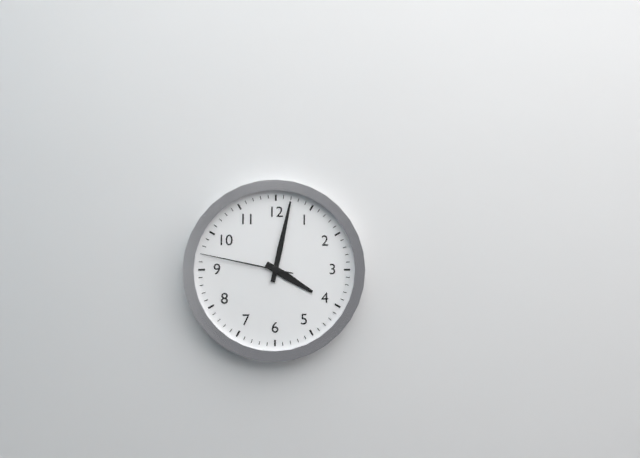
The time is 4h02m47s
